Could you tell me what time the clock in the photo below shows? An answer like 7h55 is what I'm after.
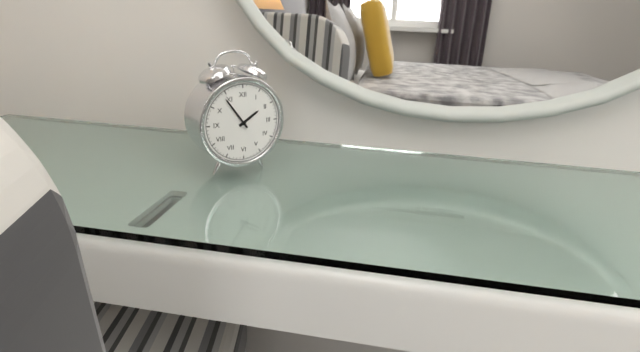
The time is 1h54
